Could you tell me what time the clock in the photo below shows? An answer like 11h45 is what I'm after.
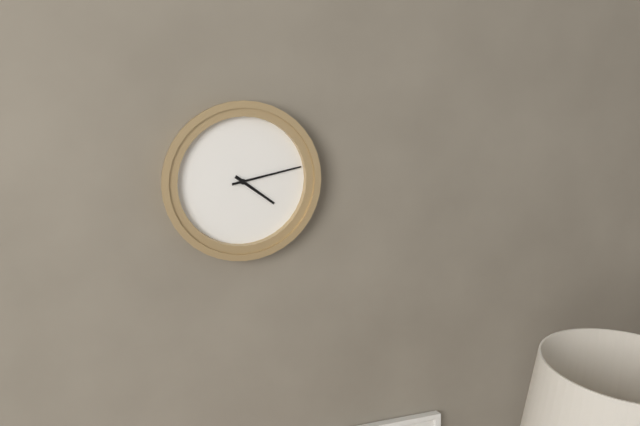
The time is 4h13
